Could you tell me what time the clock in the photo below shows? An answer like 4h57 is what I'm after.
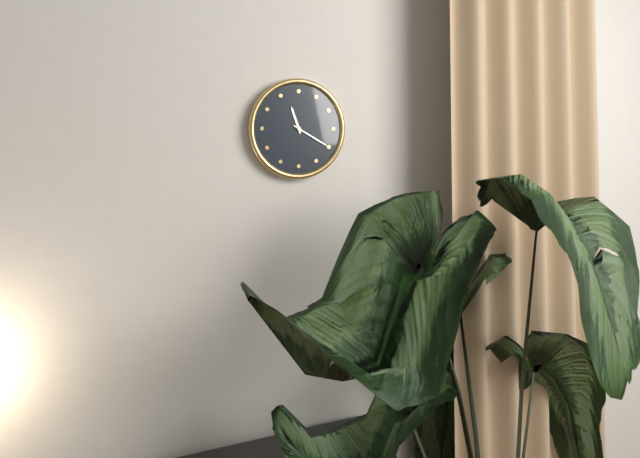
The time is 11h20
